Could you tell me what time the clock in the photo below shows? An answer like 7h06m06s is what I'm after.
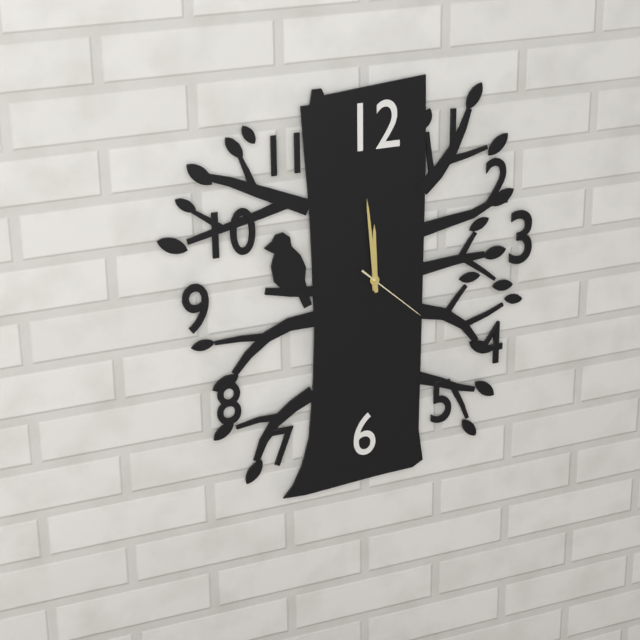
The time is 11h59m22s
